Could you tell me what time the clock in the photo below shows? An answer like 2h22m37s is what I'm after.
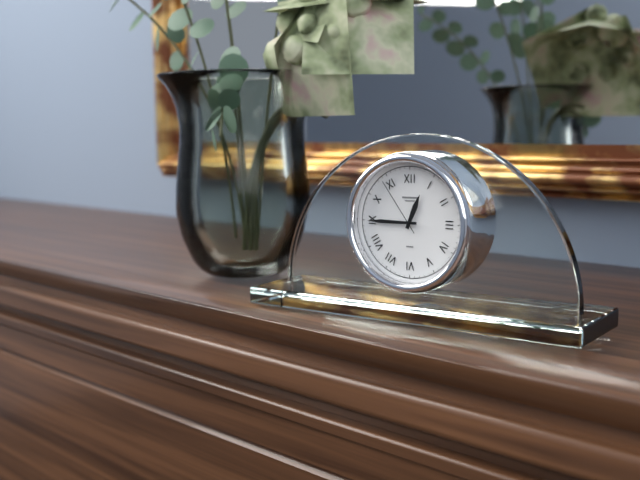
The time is 12h45m54s
